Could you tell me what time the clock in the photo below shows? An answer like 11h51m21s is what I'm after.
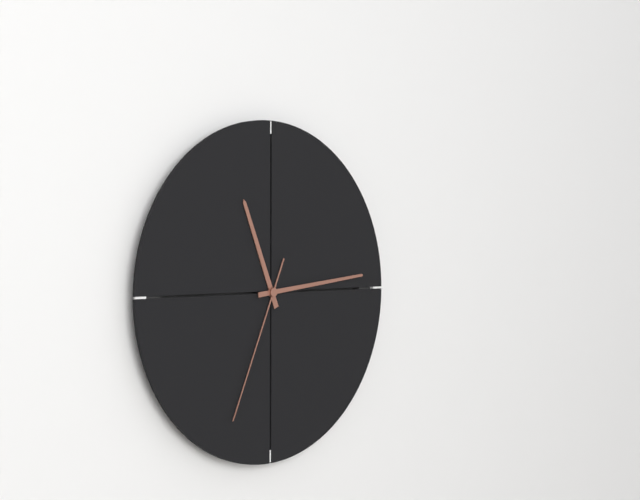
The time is 11h14m34s
